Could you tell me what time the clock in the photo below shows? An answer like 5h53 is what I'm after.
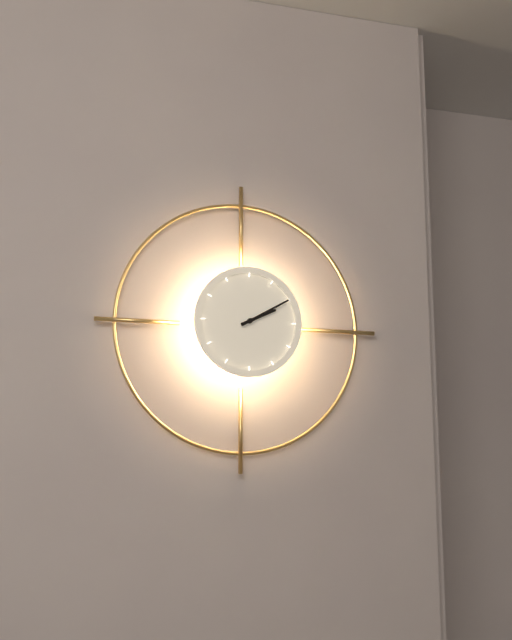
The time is 2h10
